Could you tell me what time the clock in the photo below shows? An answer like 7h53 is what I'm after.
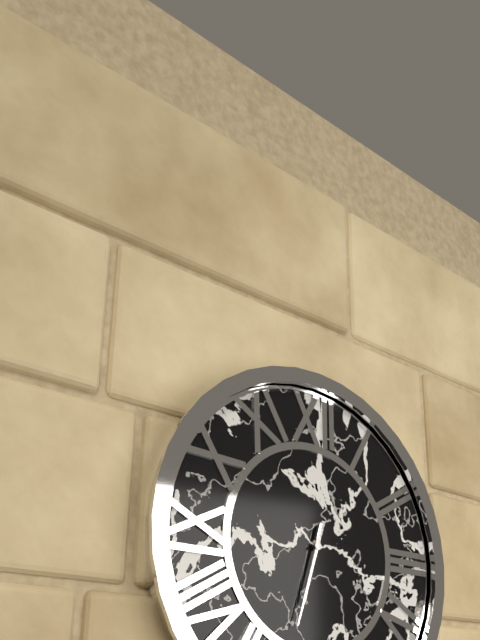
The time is 6h33
